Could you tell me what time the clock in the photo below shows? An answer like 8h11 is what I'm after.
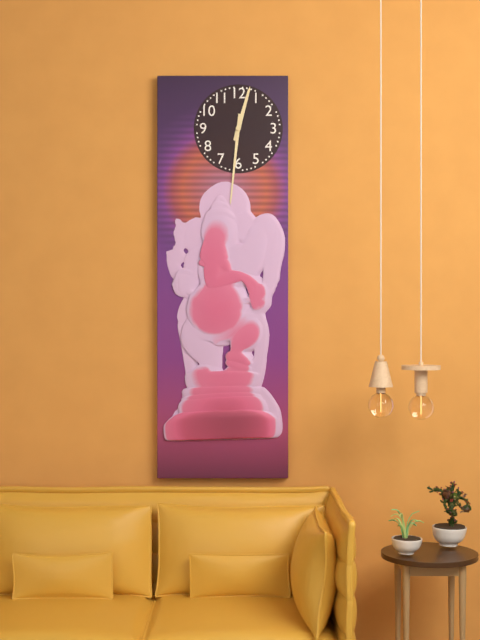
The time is 12h31
